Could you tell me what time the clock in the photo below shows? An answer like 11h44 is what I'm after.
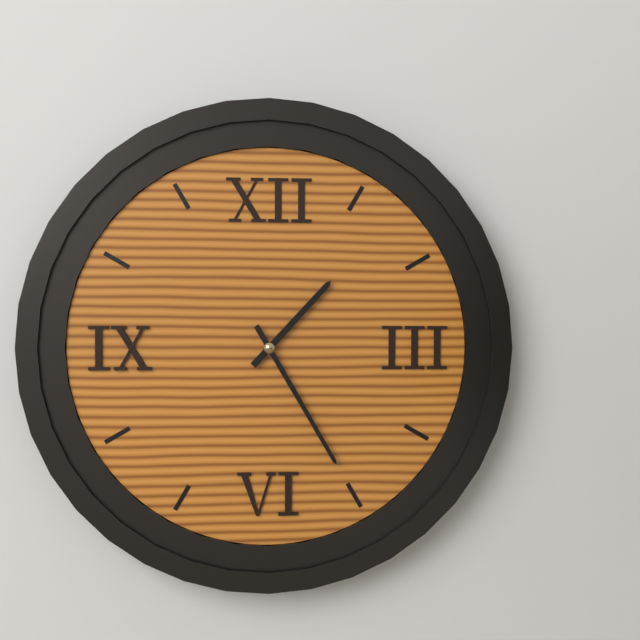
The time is 1h25
